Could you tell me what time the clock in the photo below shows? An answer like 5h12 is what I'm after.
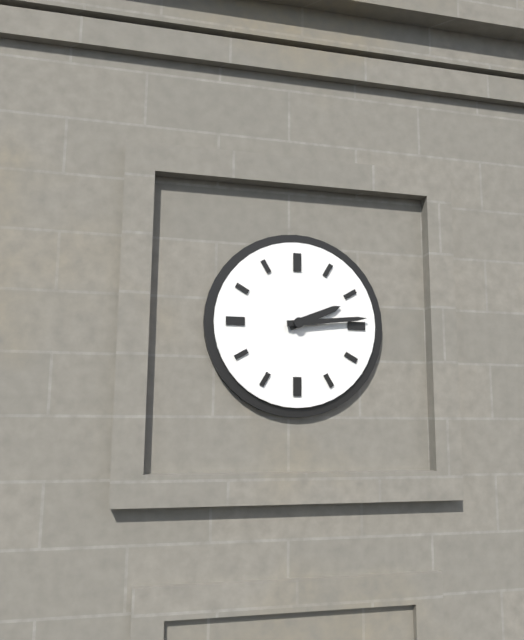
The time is 2h14
